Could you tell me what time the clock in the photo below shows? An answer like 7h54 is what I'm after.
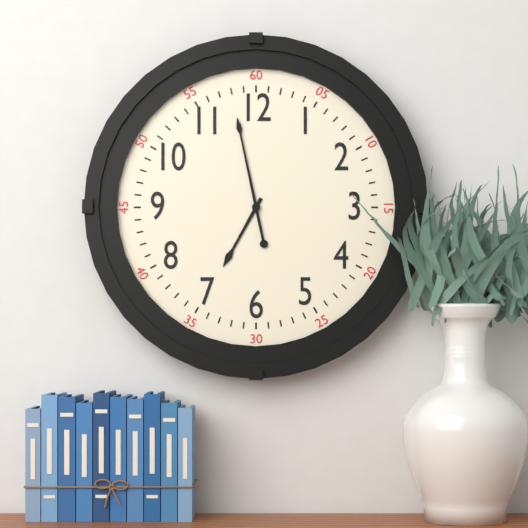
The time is 6h58
